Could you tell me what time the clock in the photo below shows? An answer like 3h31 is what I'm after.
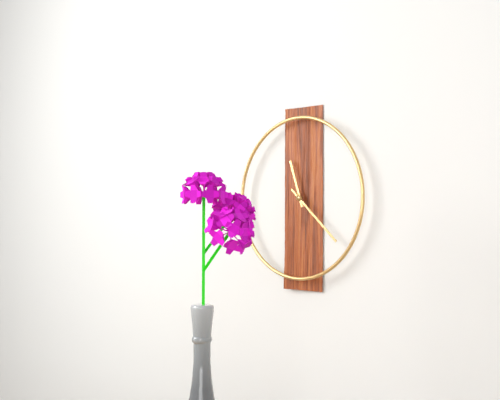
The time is 11h22
